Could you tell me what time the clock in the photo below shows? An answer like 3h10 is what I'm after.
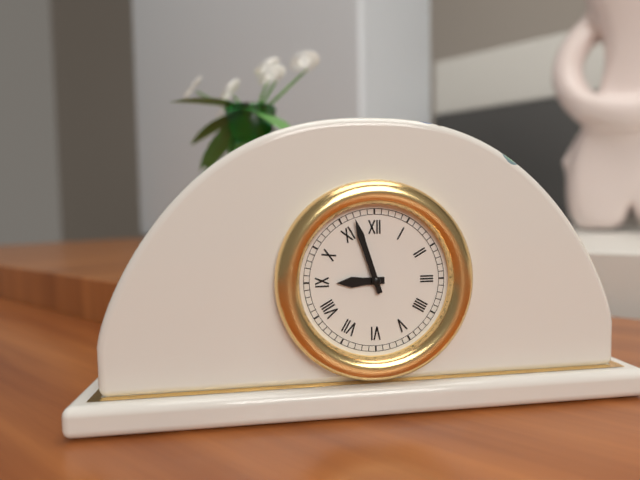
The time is 8h57
